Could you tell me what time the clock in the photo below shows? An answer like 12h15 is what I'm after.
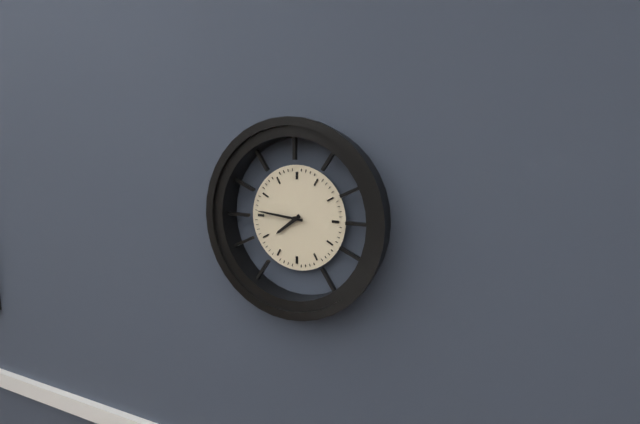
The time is 7h46
